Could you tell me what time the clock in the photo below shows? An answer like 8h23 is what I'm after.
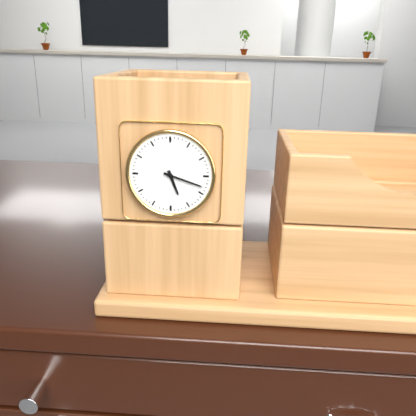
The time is 5h18
